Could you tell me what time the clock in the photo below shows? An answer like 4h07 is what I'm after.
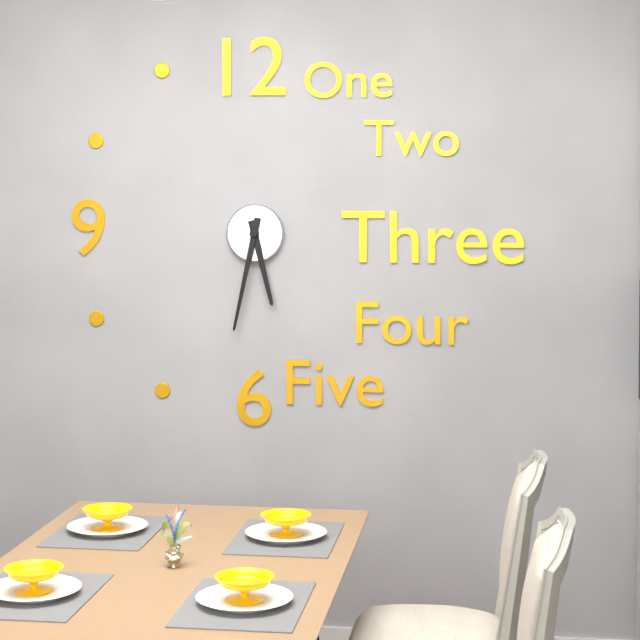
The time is 5h32
